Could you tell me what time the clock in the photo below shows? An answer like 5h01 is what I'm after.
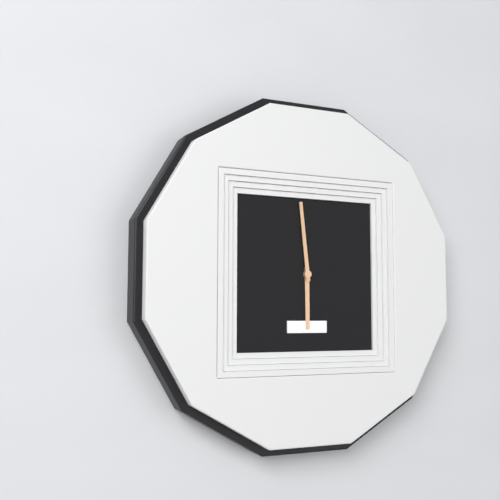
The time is 5h59
